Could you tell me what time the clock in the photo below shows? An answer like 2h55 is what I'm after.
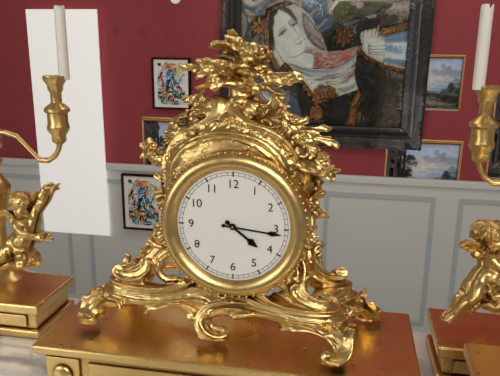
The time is 4h16
